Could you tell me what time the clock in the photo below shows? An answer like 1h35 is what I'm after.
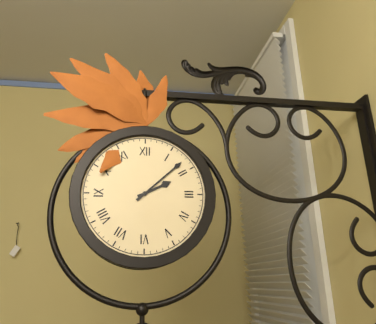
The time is 2h08
